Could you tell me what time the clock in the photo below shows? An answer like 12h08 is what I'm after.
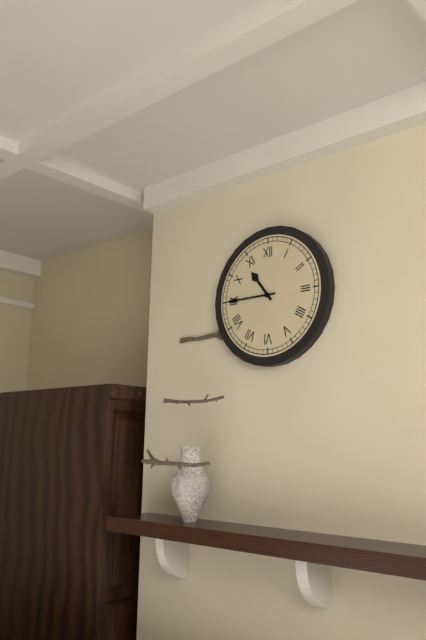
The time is 10h45
